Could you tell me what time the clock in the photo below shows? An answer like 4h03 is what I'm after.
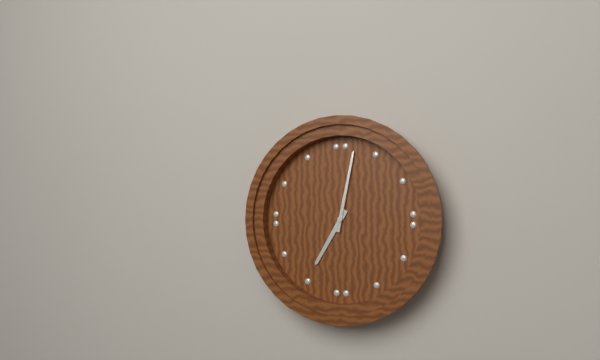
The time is 7h02
